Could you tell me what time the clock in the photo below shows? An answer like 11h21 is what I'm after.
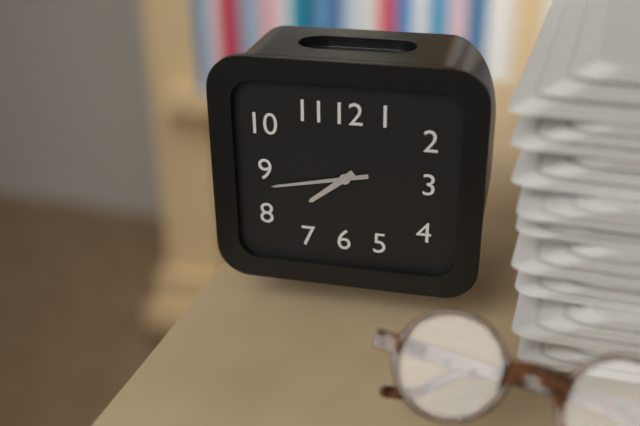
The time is 7h43
